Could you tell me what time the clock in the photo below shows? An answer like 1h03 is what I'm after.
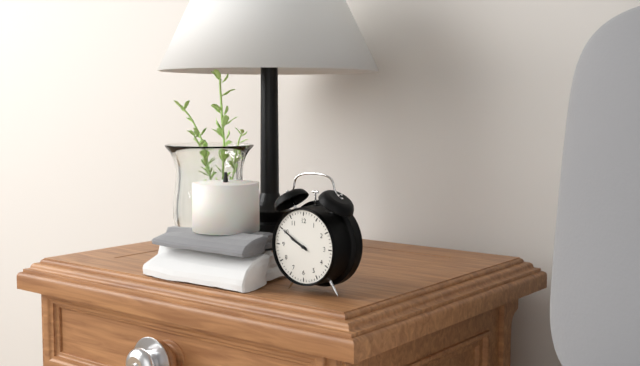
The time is 9h50
